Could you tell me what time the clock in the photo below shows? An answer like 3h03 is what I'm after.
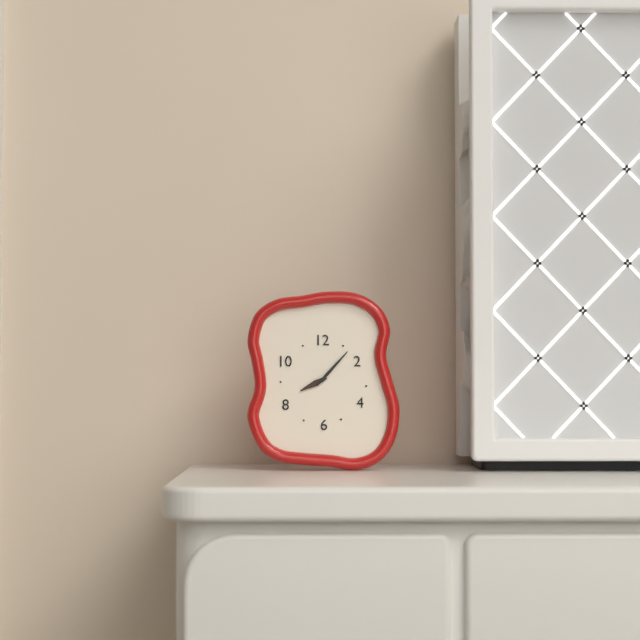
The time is 8h07
